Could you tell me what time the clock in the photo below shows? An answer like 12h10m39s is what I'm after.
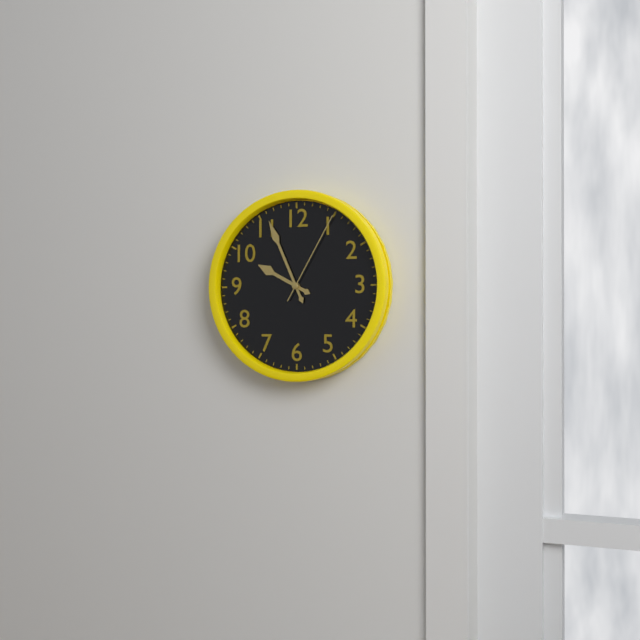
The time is 9h56m05s
